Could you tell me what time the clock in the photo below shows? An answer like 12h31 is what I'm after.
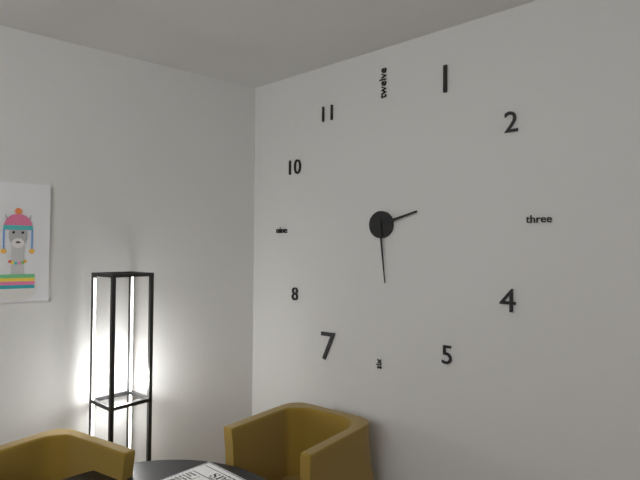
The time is 2h29
